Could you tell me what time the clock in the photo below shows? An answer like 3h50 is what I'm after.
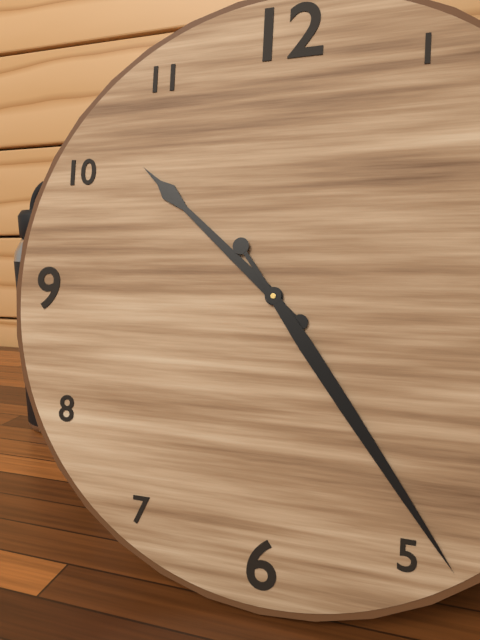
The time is 10h24
